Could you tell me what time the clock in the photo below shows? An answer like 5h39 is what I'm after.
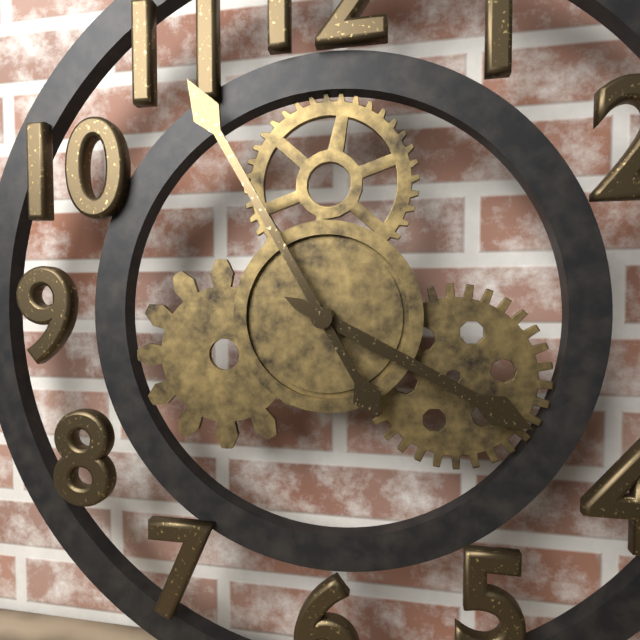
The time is 3h55
